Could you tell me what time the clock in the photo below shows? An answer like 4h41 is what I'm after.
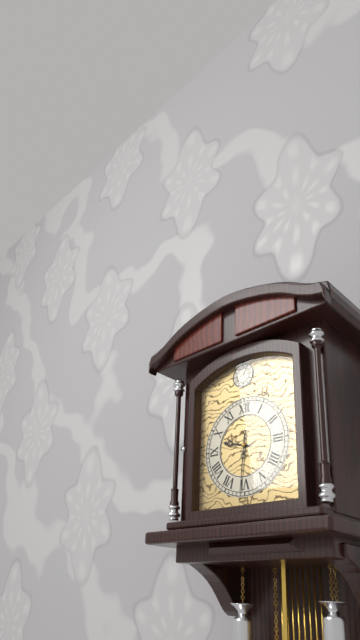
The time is 9h31
